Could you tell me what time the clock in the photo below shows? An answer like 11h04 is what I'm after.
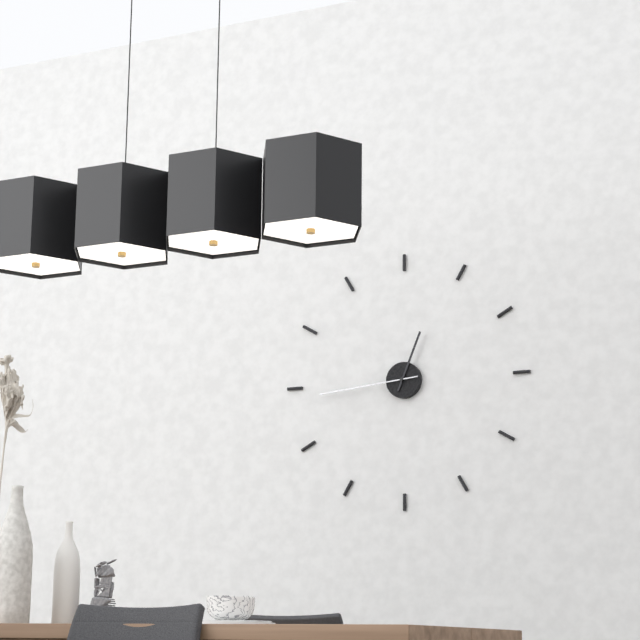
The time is 12h44
